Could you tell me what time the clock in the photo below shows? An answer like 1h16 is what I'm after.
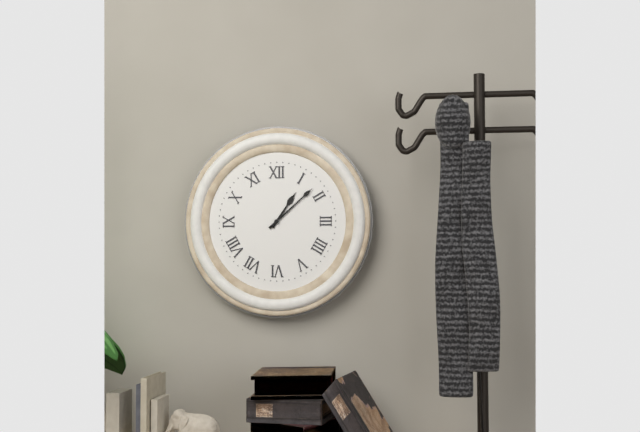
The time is 1h08
